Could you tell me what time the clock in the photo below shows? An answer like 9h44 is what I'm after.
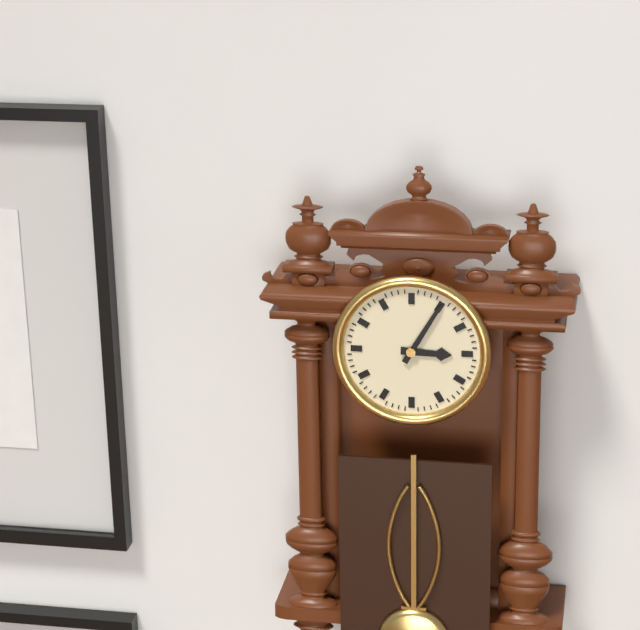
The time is 3h05
